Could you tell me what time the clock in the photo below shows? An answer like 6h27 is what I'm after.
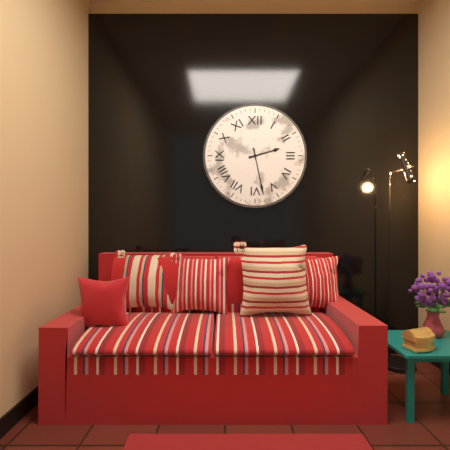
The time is 2h28
